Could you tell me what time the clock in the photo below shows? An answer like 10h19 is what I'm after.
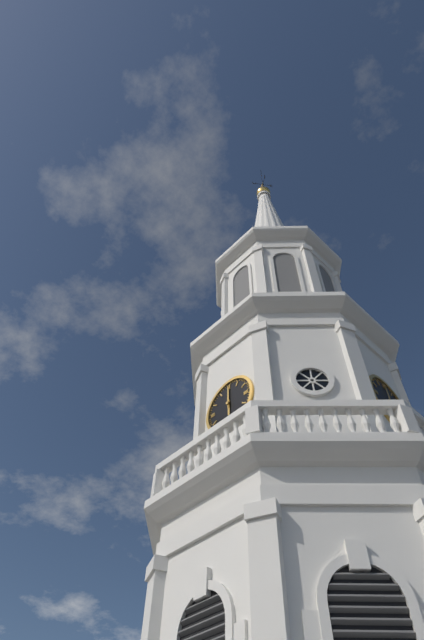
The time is 6h00
